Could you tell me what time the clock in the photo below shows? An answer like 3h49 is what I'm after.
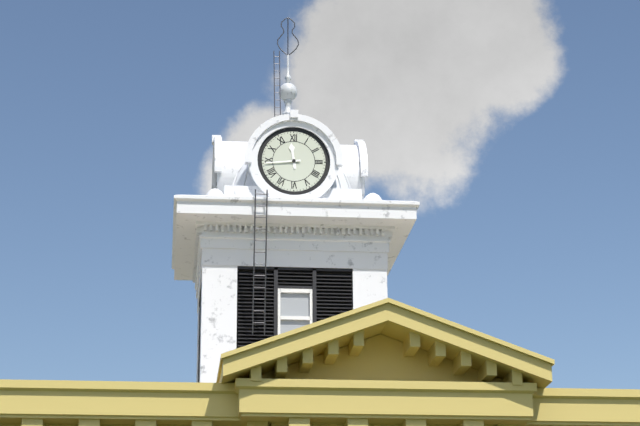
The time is 11h44
